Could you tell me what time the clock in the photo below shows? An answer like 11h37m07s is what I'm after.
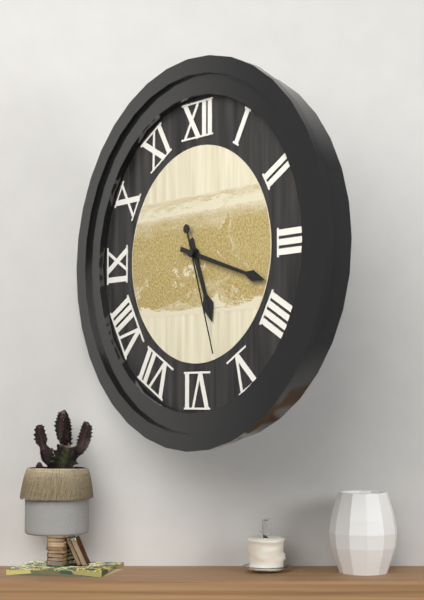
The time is 5h18m27s
